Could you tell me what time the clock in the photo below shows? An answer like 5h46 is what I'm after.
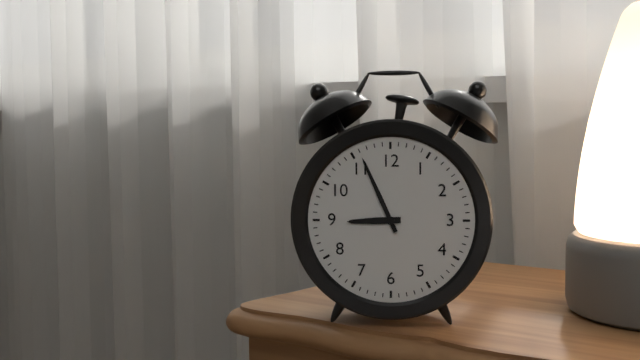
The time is 8h56
